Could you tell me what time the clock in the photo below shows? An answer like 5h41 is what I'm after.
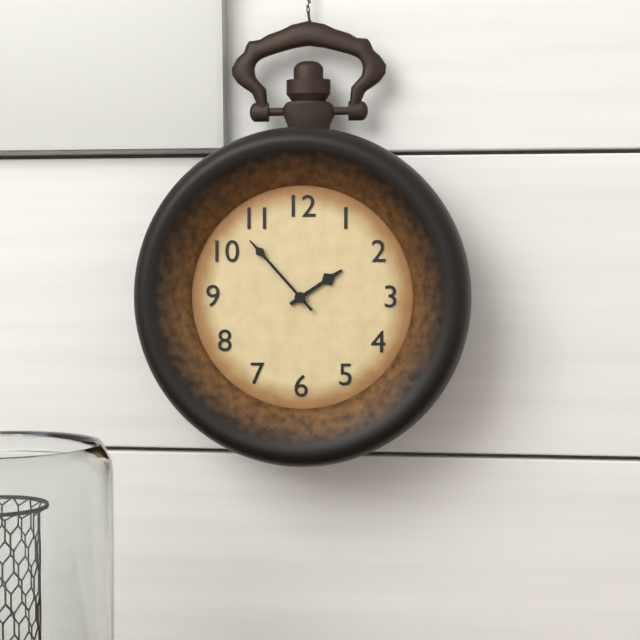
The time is 1h53
